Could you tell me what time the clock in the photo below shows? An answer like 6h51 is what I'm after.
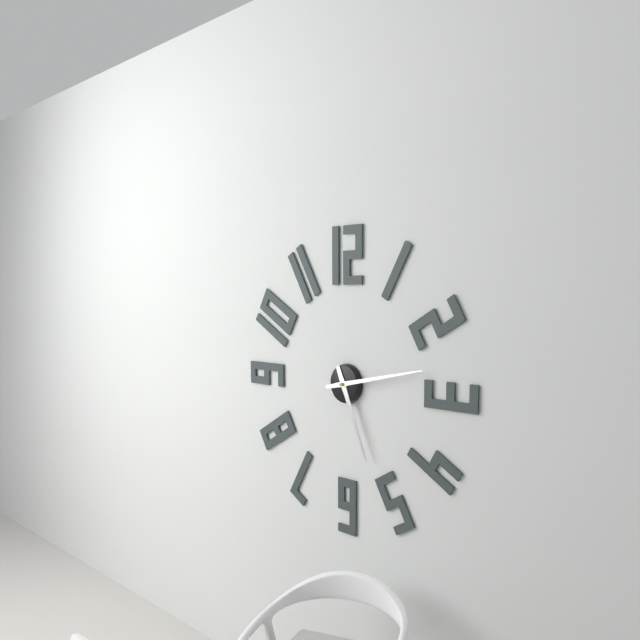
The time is 5h13
